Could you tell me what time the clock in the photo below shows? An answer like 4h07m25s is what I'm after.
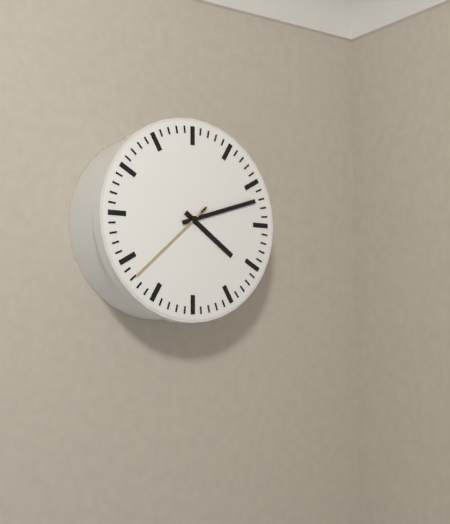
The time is 4h12m38s
